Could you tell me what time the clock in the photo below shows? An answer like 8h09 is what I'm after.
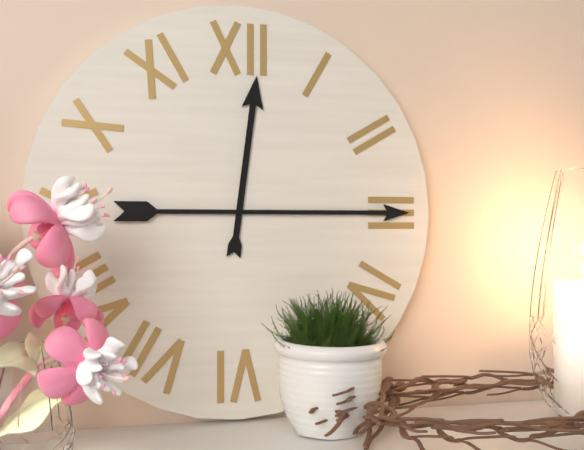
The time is 12h15
